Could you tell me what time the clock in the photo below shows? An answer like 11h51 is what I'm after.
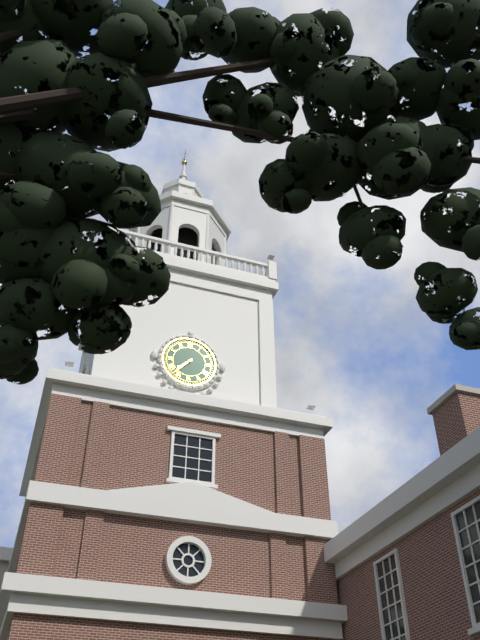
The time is 7h37
